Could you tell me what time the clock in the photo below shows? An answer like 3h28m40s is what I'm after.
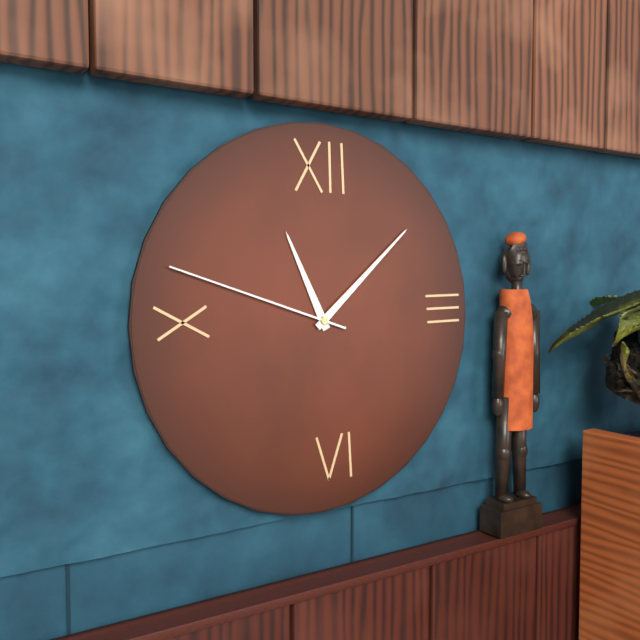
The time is 11h08m48s
